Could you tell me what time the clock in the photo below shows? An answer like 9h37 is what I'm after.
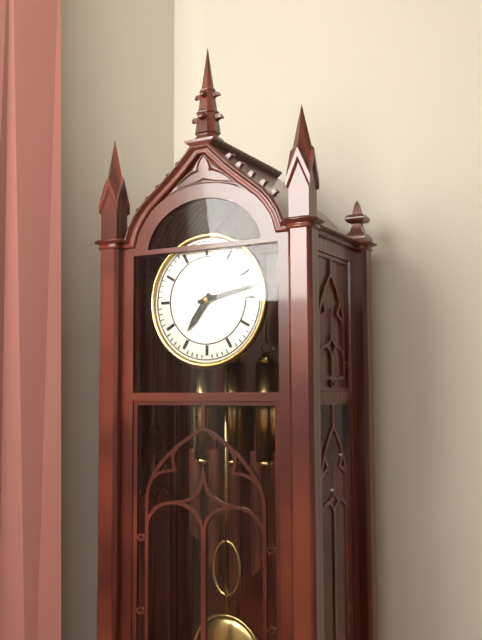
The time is 7h13
